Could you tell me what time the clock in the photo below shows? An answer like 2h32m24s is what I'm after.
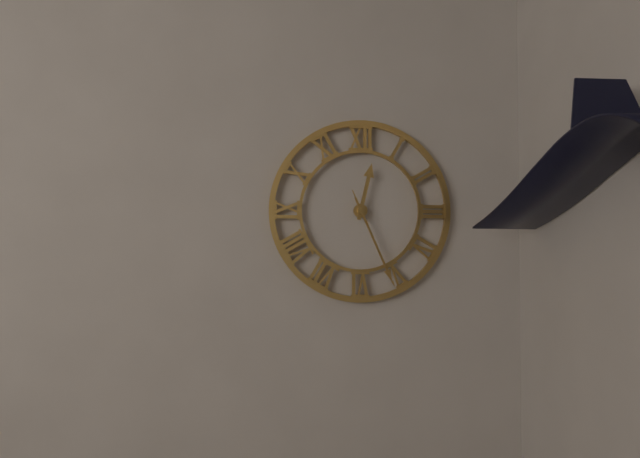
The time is 12h26m26s
